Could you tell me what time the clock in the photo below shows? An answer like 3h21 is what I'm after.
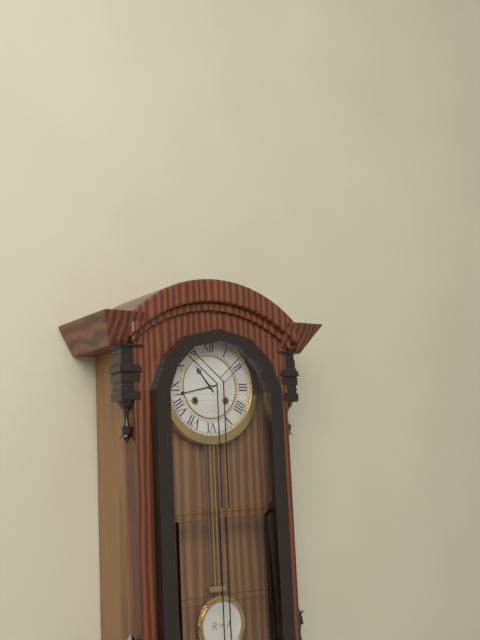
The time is 10h43
